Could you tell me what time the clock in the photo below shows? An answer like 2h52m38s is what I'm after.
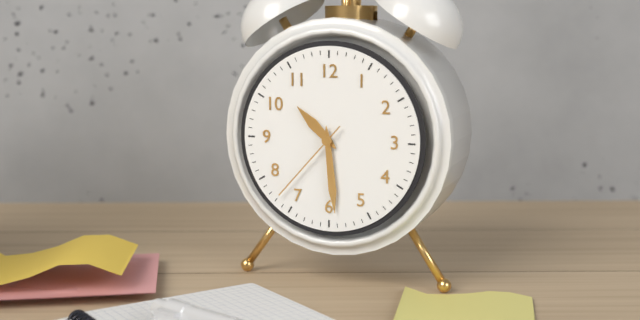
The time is 10h29m37s
